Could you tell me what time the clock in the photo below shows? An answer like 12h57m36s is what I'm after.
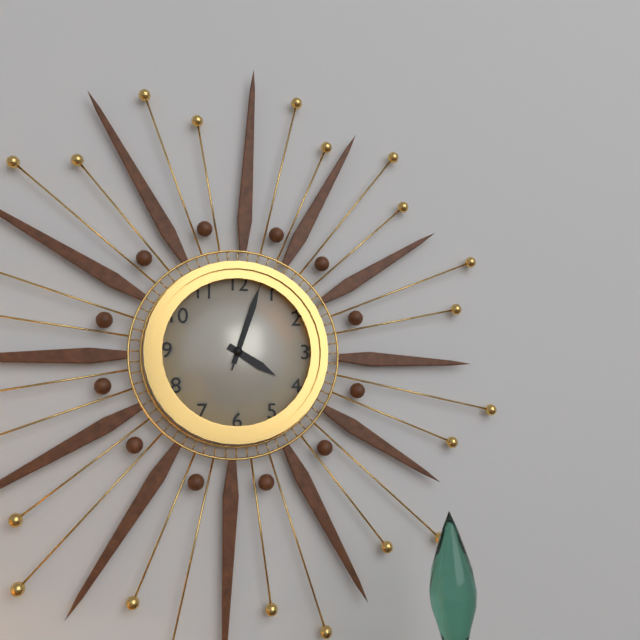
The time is 4h03m03s
